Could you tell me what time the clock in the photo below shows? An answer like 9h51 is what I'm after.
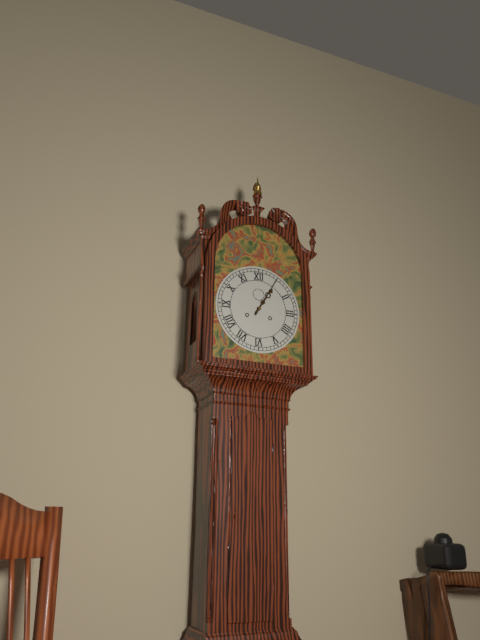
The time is 1h05
